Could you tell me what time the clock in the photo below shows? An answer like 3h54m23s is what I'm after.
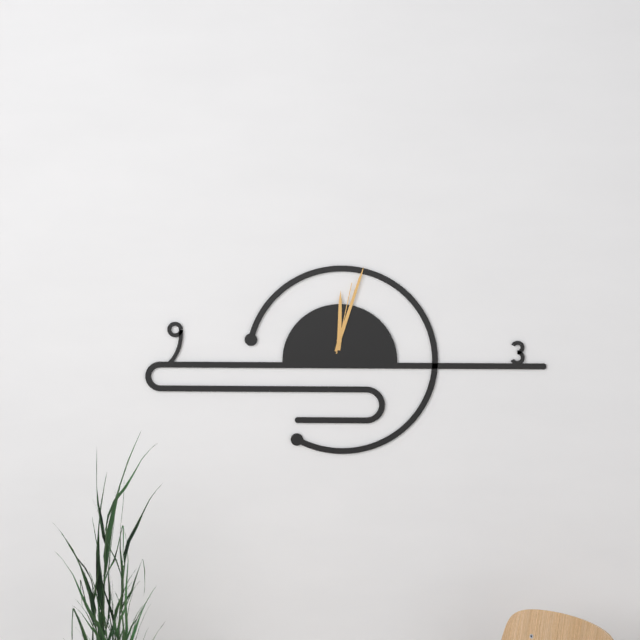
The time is 12h03m02s
